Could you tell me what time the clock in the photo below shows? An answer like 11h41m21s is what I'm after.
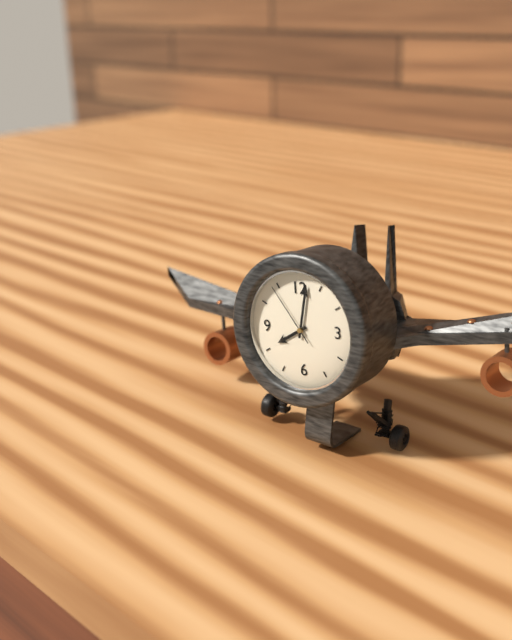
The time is 8h02m54s
